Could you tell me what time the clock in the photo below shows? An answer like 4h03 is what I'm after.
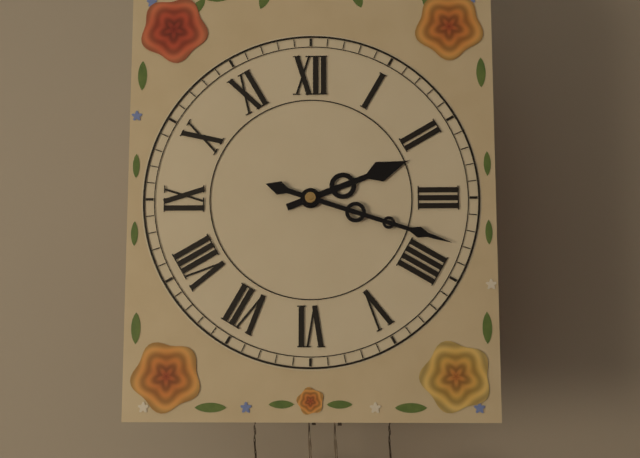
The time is 2h18
